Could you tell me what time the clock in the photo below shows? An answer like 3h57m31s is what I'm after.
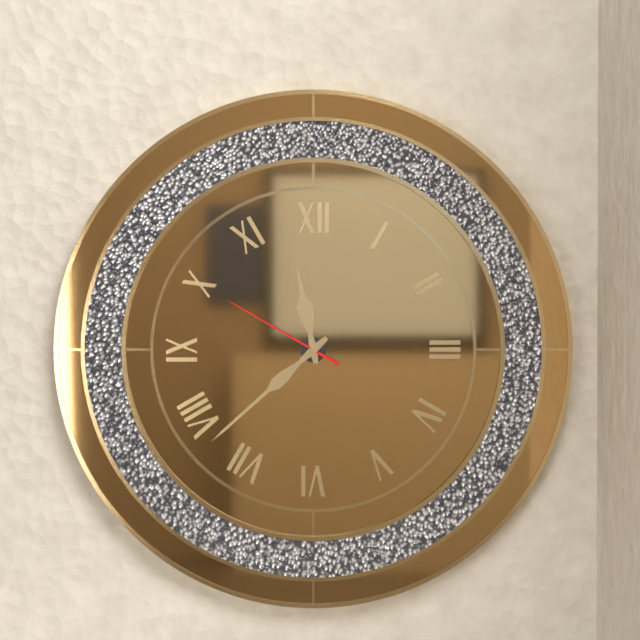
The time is 11h38m50s
